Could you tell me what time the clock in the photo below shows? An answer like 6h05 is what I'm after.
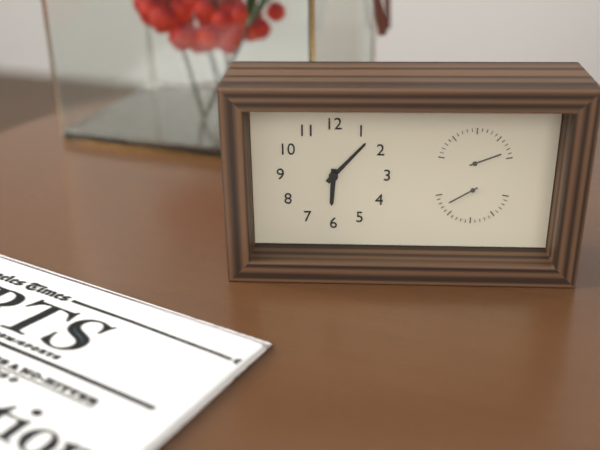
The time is 6h07
